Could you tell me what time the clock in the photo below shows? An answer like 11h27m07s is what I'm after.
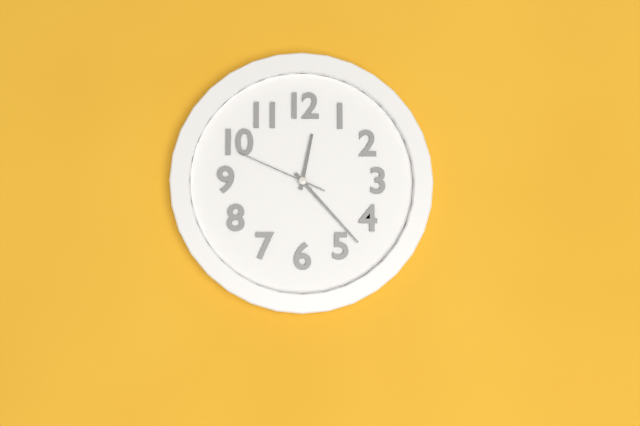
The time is 12h23m49s
